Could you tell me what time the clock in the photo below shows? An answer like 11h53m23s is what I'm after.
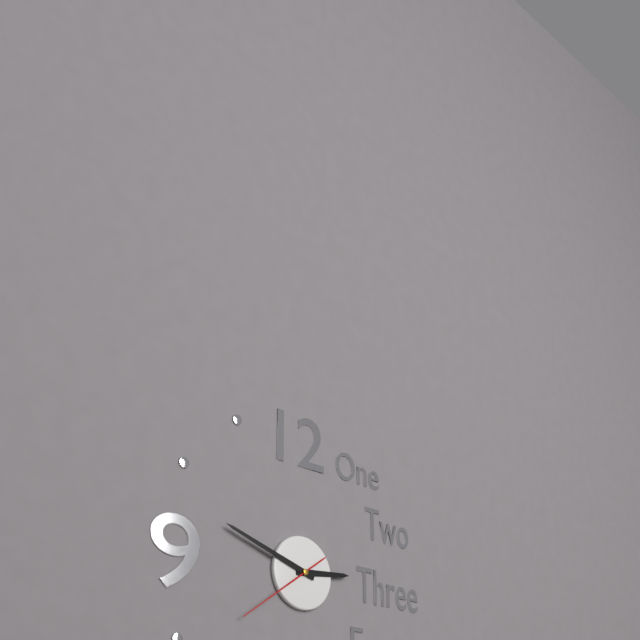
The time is 2h48m39s
